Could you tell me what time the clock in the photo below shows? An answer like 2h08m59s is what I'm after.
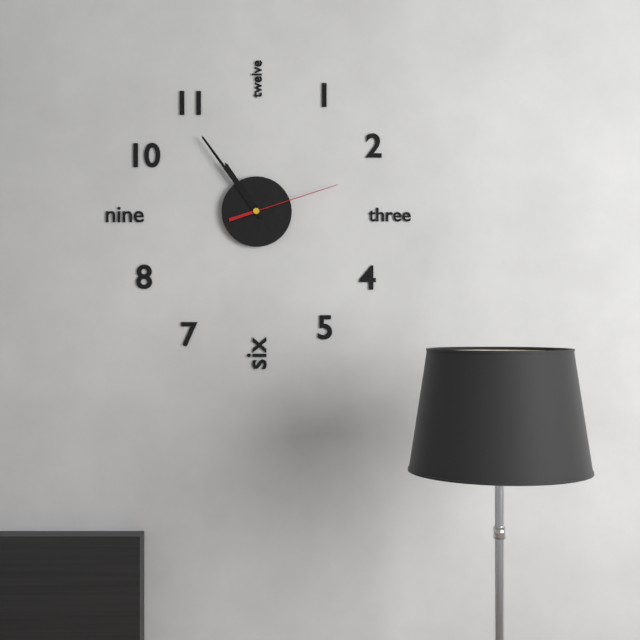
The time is 10h54m12s
